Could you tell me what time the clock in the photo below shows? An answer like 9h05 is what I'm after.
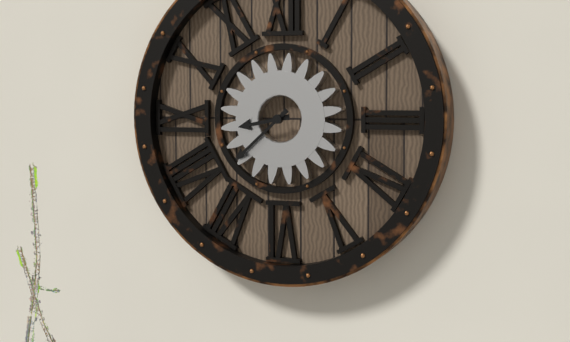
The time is 8h38
